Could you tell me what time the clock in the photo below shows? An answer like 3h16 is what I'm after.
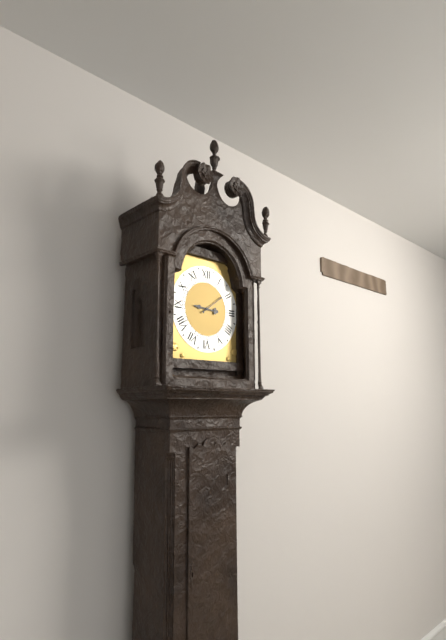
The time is 9h09
